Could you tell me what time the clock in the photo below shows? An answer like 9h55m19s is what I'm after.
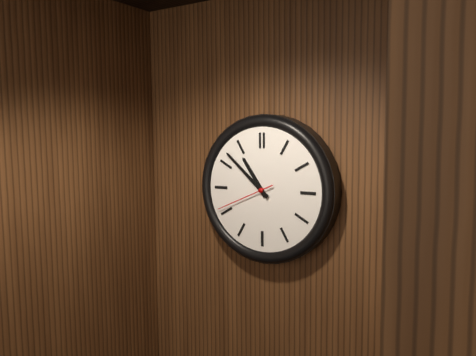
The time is 10h52m41s
